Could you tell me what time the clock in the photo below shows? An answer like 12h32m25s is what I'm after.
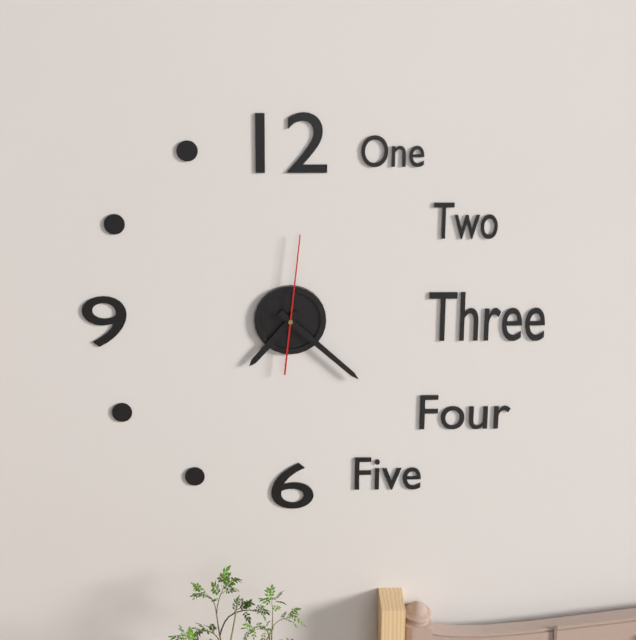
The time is 7h22m01s
